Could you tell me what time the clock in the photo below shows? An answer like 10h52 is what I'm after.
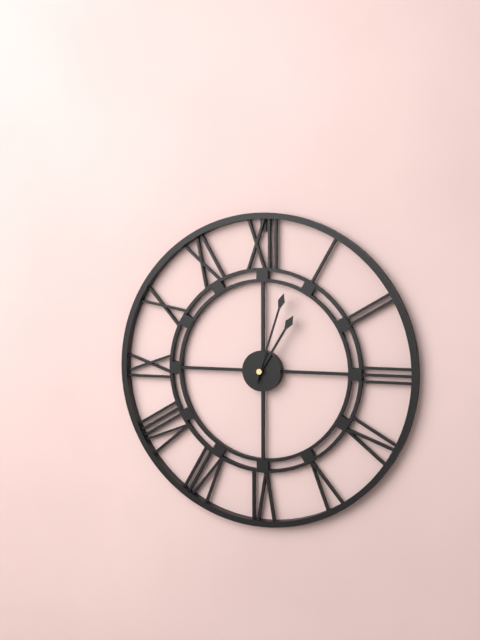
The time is 1h03
